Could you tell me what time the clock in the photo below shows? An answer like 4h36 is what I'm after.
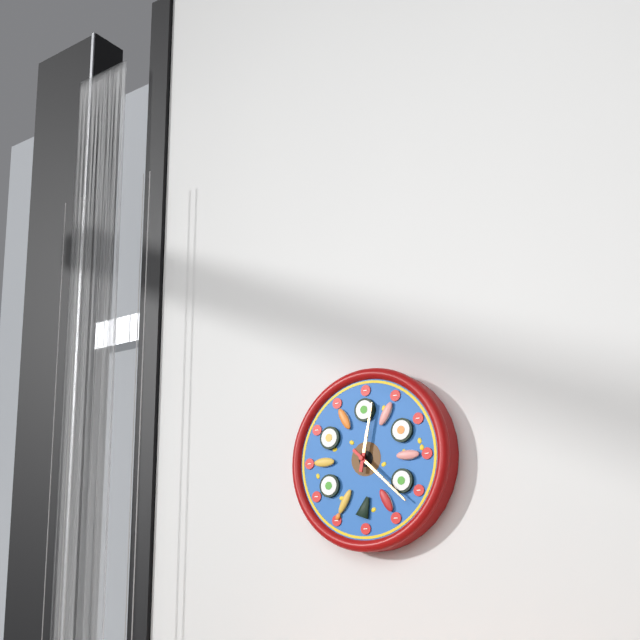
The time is 12h22
